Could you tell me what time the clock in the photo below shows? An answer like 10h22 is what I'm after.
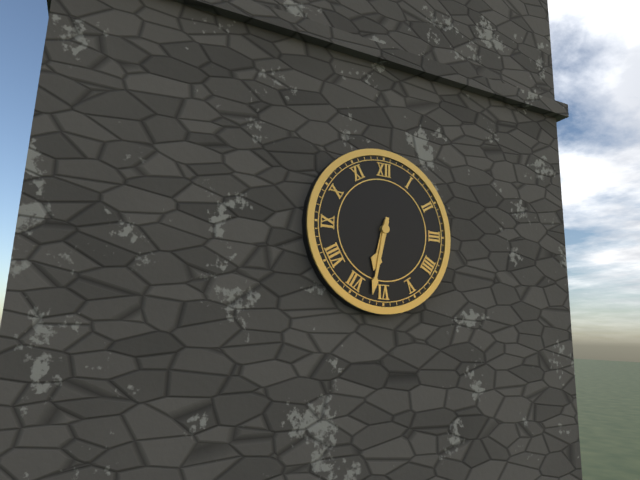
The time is 6h32
